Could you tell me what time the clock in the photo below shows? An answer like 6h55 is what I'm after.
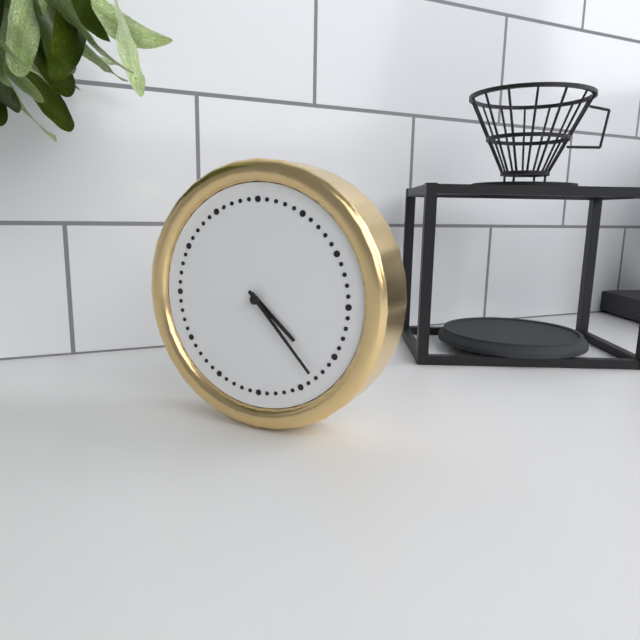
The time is 4h23
